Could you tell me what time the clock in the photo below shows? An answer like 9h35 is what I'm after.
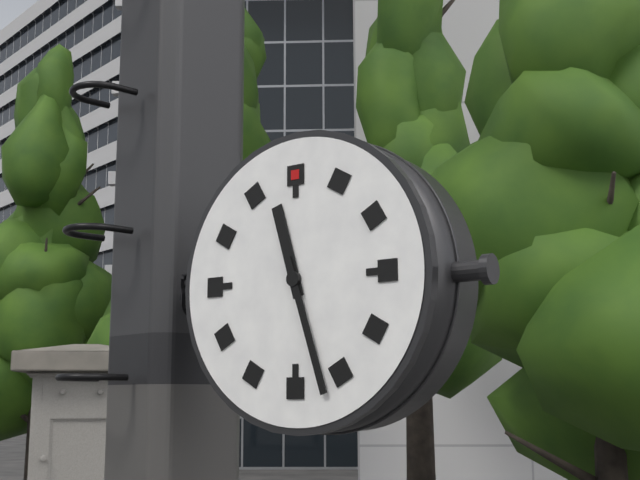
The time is 11h27
